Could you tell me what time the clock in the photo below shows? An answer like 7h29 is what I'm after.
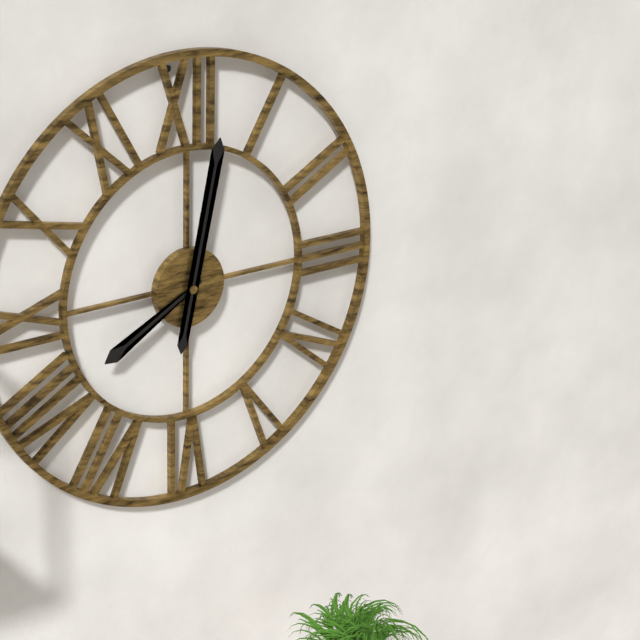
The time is 8h02
